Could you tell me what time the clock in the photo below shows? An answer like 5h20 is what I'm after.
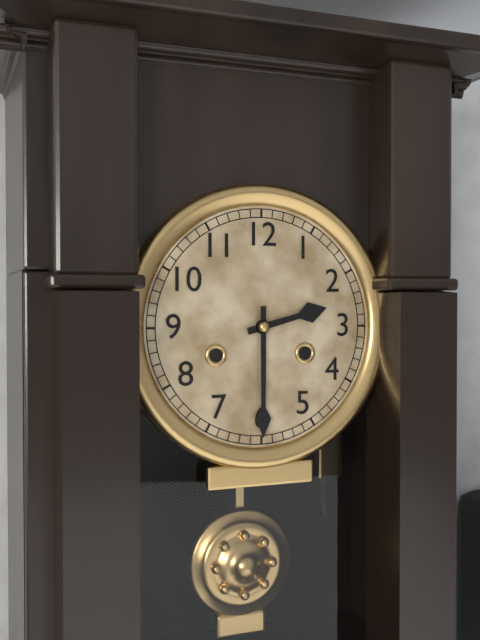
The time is 2h30
